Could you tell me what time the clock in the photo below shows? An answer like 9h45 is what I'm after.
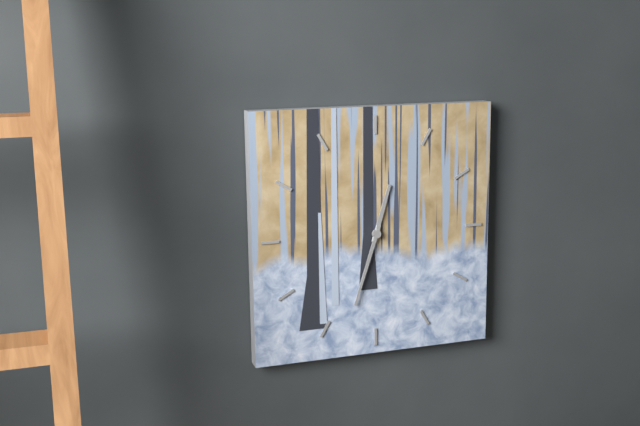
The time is 12h33
